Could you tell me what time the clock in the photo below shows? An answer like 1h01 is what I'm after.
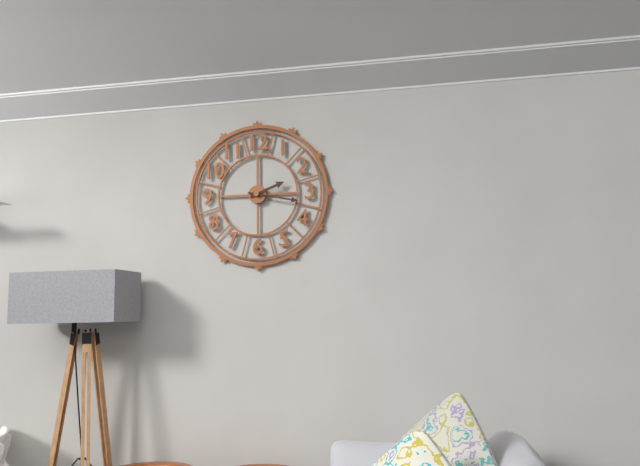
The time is 2h17
